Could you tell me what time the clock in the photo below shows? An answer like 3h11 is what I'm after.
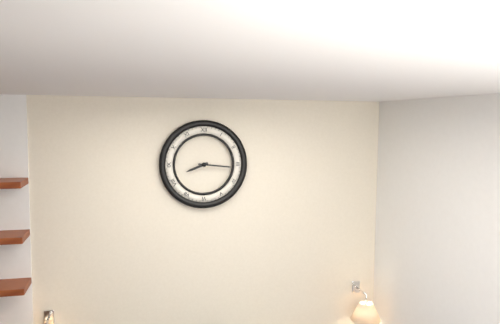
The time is 8h16
